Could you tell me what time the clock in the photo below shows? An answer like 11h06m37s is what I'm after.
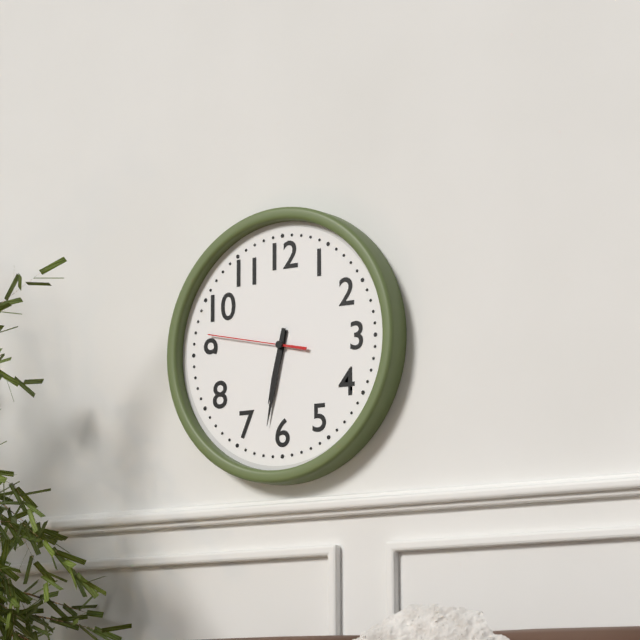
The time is 6h32m47s
